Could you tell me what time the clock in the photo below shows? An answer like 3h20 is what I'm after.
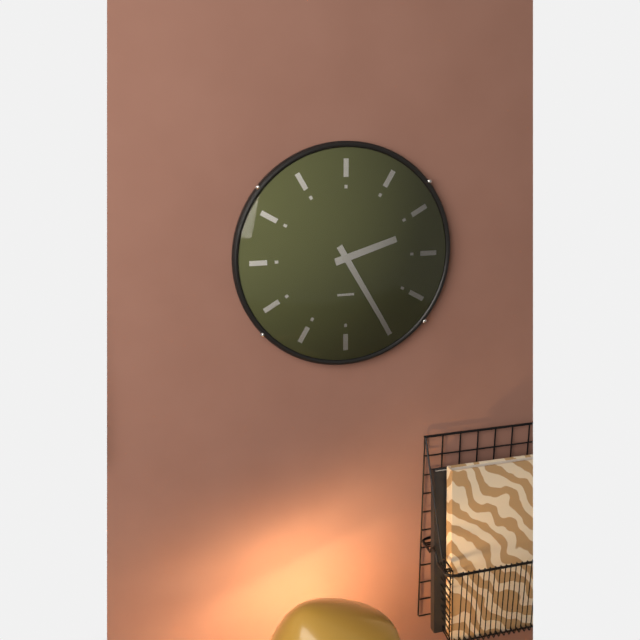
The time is 2h25
